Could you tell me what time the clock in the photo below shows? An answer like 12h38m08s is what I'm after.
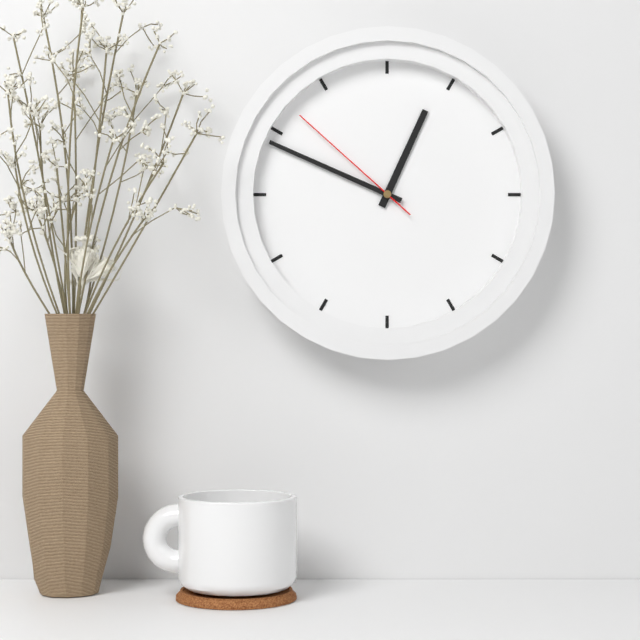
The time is 12h49m52s
